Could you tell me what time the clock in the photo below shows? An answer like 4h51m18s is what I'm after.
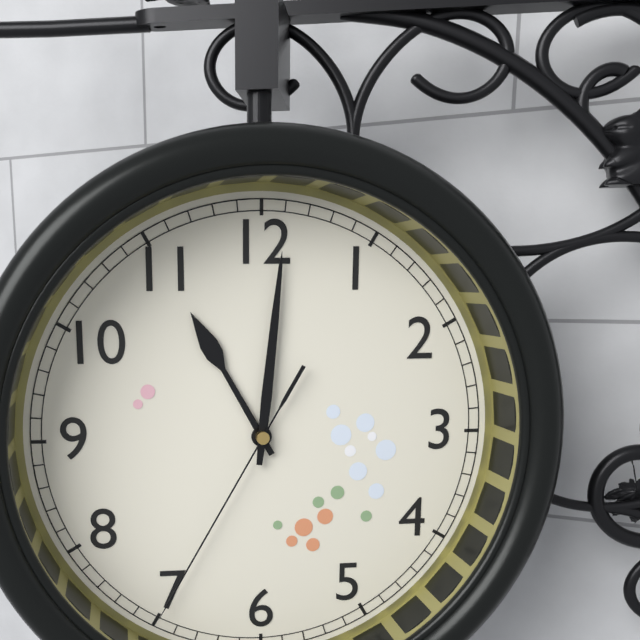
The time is 11h01m35s
